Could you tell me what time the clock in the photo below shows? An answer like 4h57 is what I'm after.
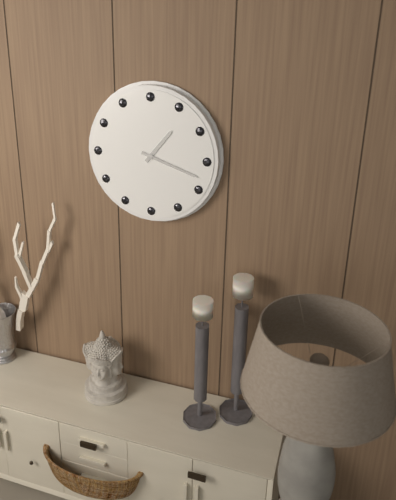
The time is 1h18
